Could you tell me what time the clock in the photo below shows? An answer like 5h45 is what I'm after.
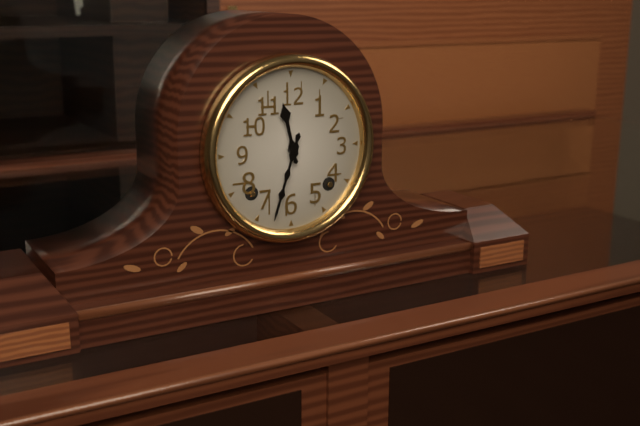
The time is 11h33
